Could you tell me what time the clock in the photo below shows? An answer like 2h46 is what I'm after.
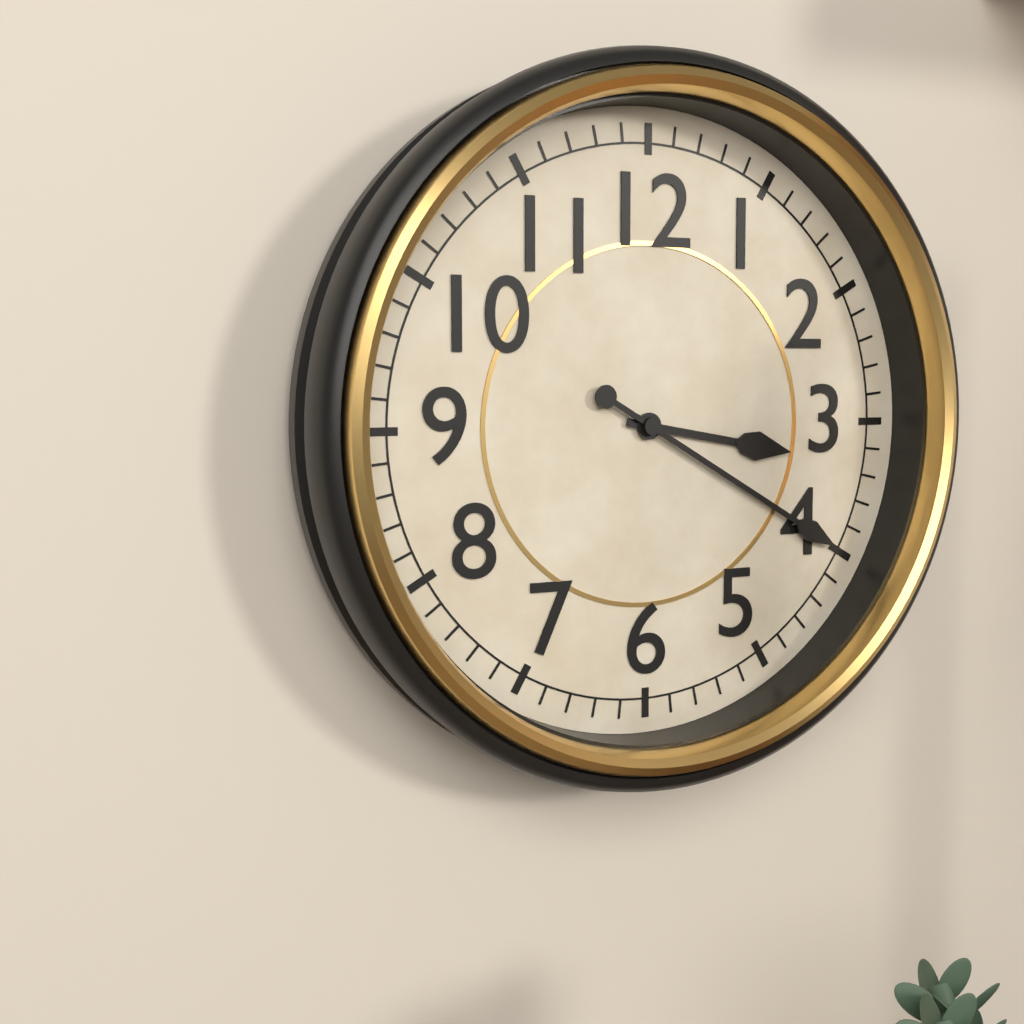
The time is 3h20
